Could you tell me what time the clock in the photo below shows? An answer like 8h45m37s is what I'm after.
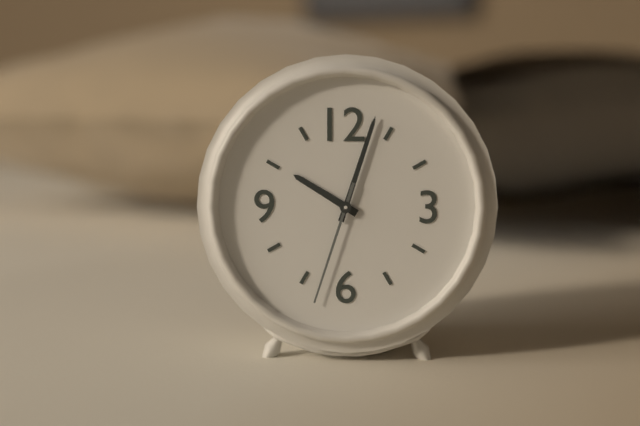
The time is 10h03m33s
